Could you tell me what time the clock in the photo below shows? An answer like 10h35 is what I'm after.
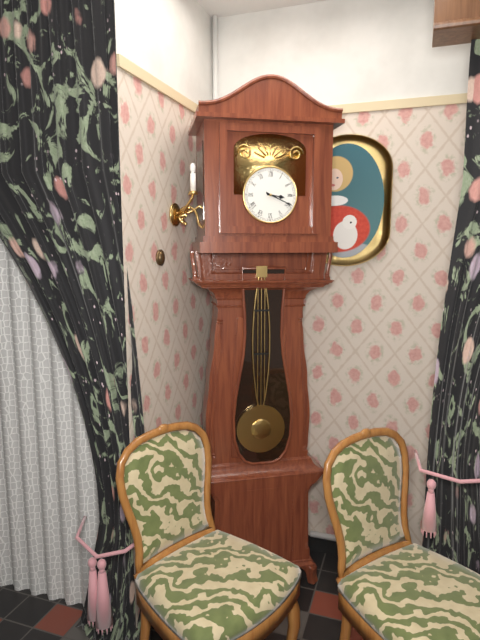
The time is 3h19
